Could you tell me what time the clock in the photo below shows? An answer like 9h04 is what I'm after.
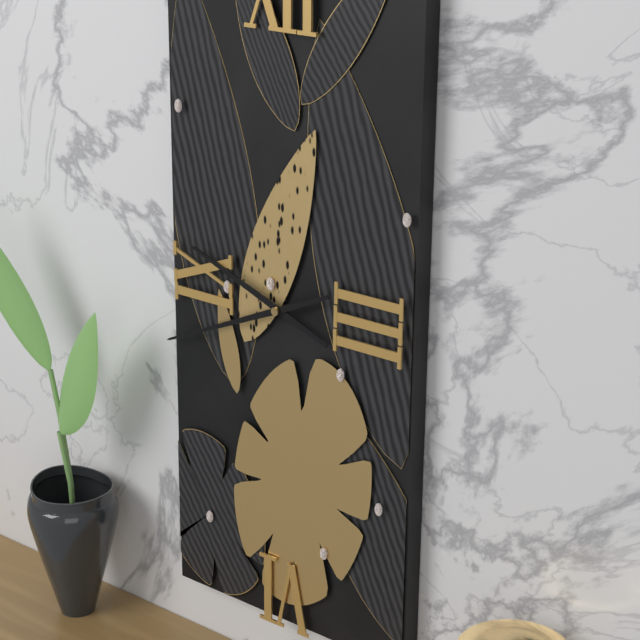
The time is 9h41
